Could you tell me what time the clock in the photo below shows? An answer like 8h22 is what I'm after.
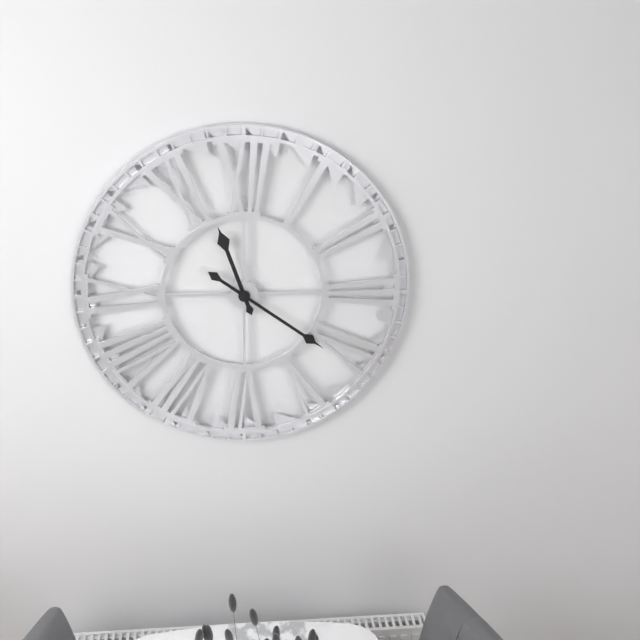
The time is 11h21
